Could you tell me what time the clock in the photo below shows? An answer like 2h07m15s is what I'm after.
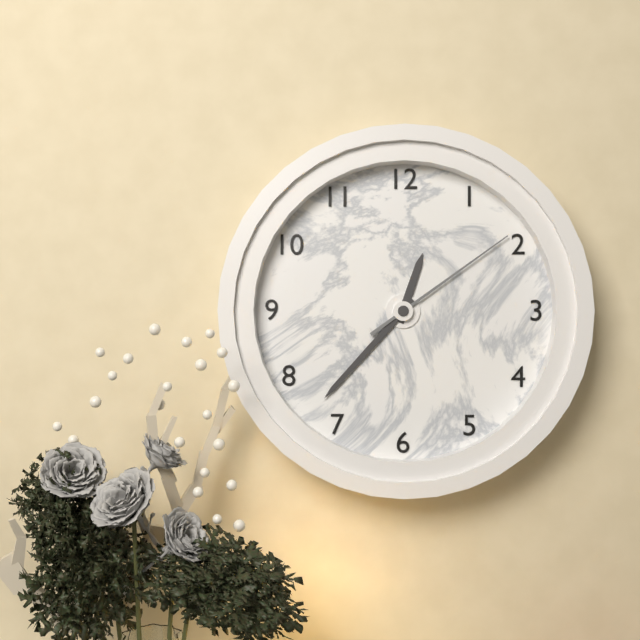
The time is 12h37m09s
